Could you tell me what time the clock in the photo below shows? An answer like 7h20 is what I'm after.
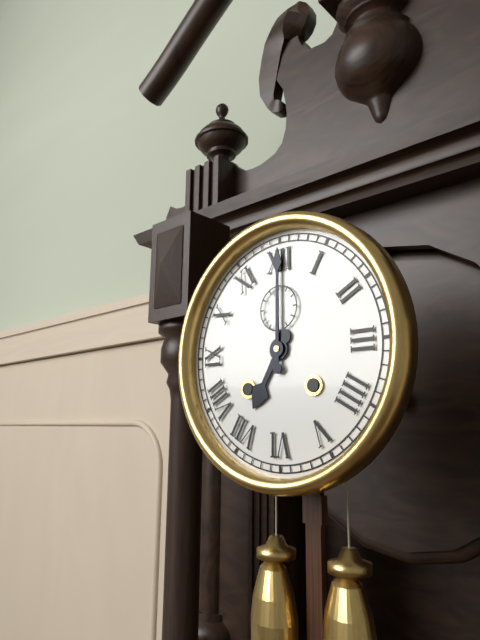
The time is 7h00
